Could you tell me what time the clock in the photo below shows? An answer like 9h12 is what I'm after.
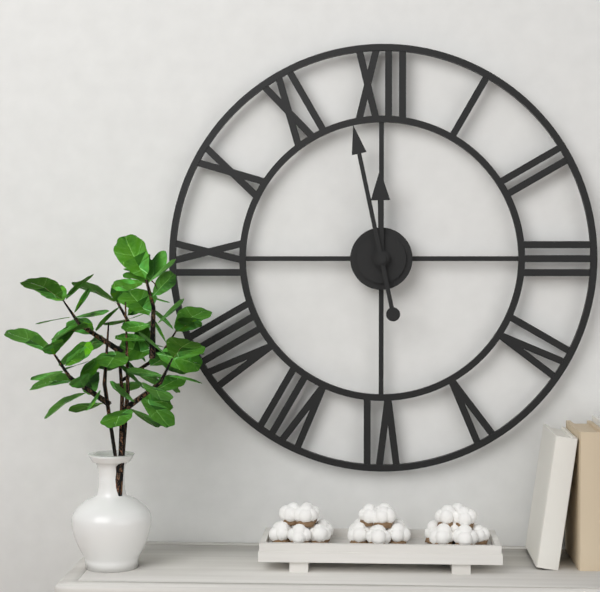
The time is 11h58
